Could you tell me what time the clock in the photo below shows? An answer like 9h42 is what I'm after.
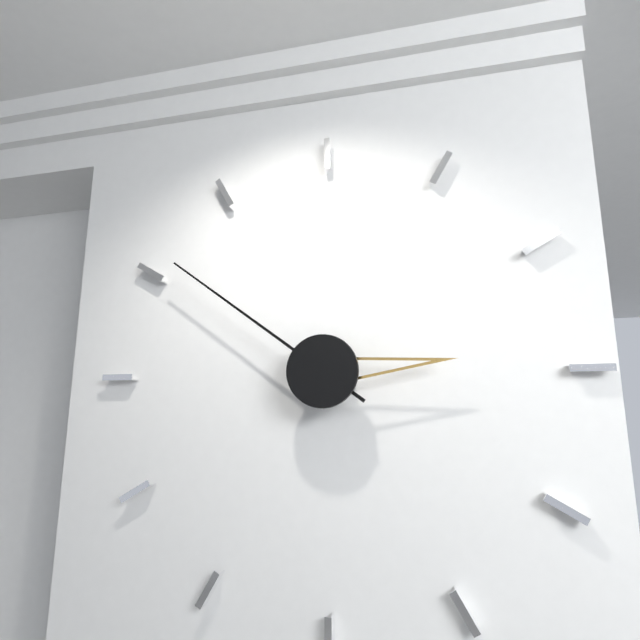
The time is 2h51
